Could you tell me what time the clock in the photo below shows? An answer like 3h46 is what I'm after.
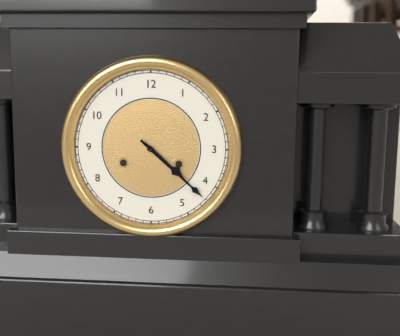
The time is 4h22
